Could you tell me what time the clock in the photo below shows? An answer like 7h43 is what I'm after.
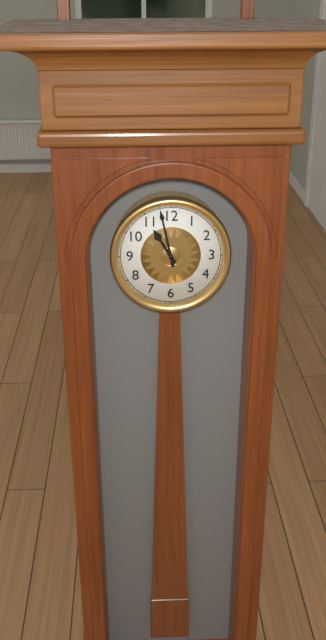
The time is 10h58
